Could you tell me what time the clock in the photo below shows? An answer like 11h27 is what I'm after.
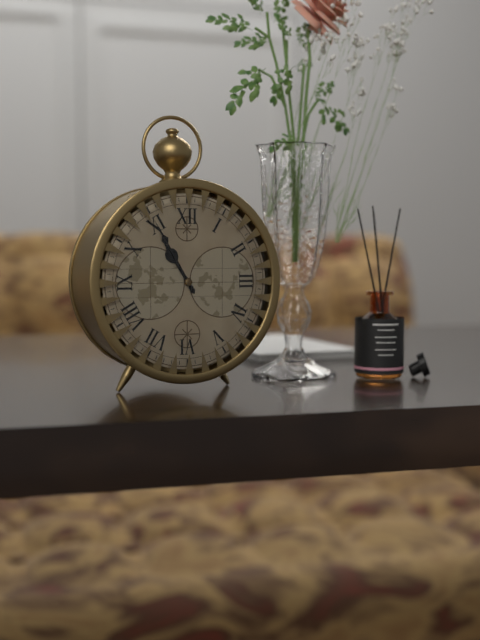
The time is 10h55
